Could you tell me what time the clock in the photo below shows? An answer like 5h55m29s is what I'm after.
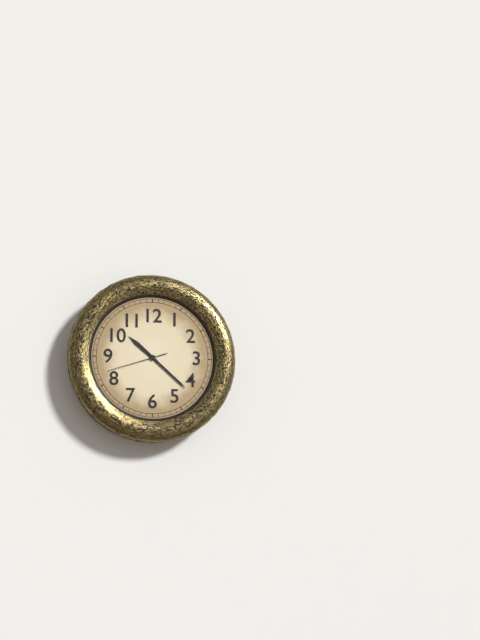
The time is 10h22m42s
